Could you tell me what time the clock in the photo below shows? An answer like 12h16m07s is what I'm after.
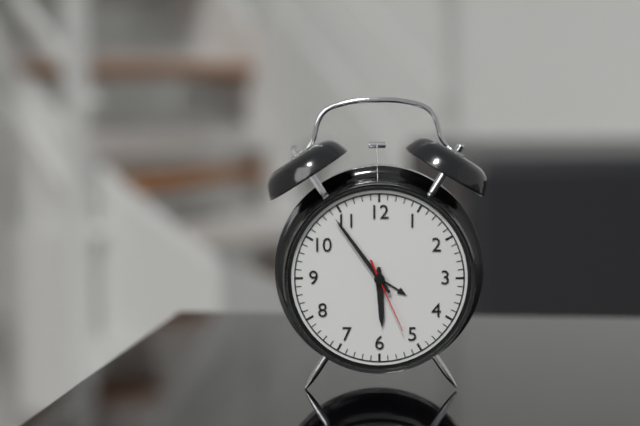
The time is 5h54m26s
